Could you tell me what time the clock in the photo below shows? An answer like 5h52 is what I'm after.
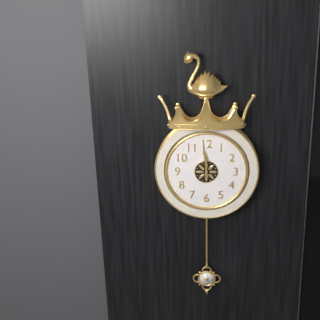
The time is 11h59
